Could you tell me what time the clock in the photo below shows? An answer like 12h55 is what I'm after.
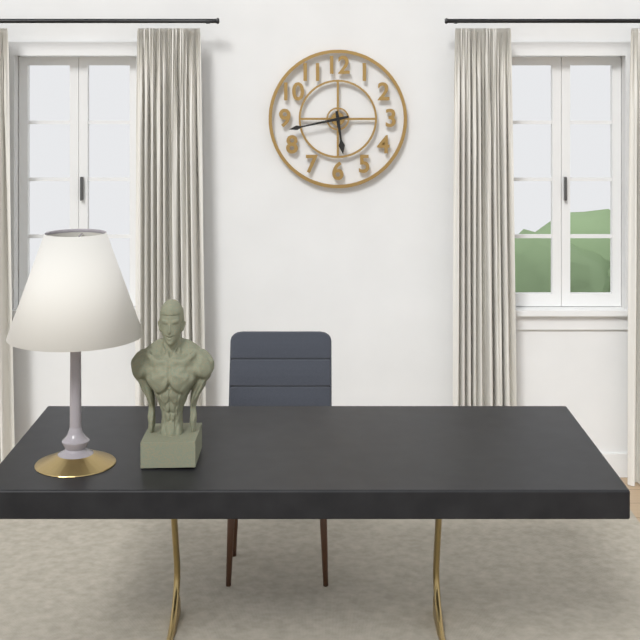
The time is 5h43
